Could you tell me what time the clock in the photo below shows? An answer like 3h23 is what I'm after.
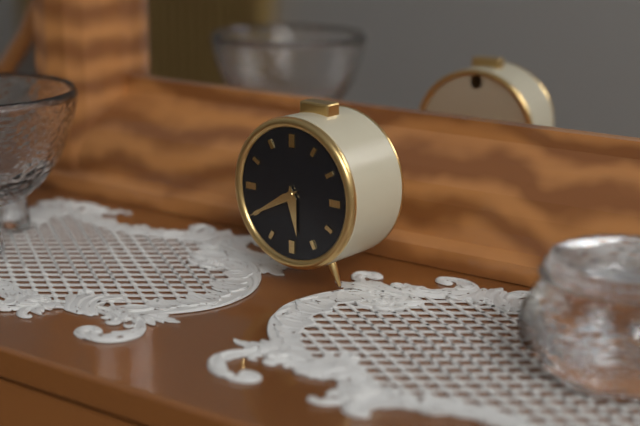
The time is 5h40
